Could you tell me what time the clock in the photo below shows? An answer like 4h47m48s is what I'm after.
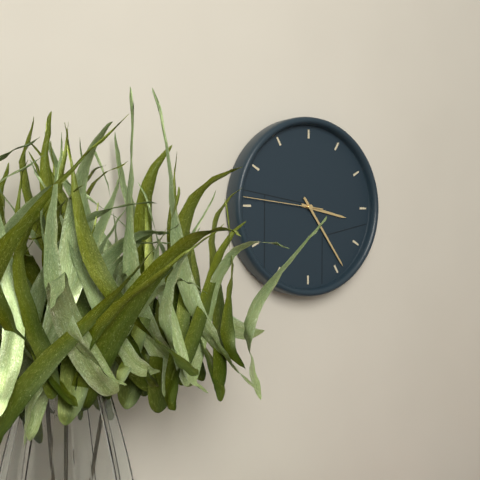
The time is 3h24m46s
